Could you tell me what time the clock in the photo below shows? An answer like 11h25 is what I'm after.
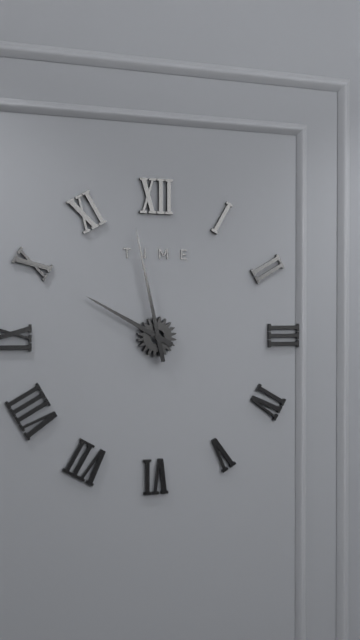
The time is 9h58
